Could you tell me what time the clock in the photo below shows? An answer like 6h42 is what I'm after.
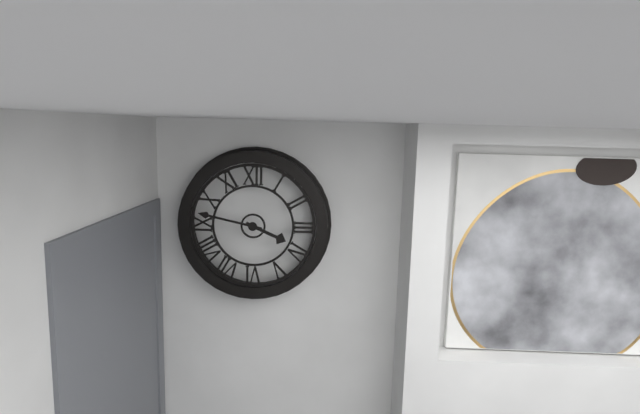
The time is 3h47
